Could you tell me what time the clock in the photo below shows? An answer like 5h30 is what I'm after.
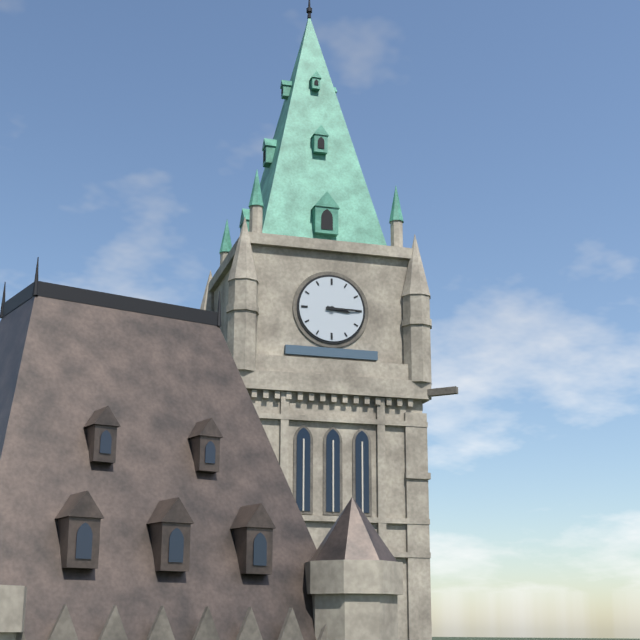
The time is 3h15
